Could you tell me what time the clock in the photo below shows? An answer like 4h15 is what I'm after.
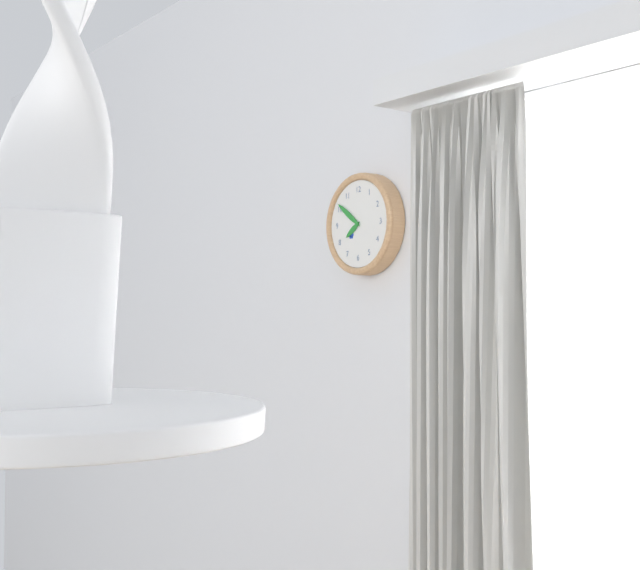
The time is 7h51
